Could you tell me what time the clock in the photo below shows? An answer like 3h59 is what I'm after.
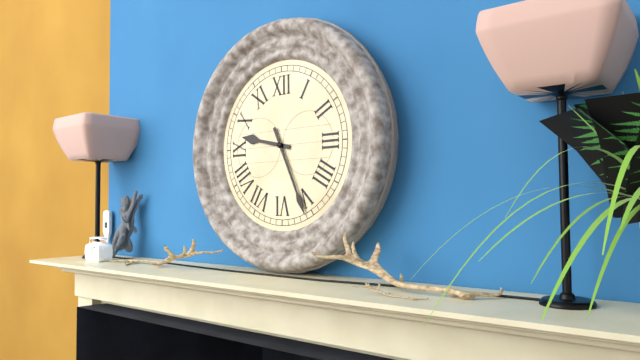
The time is 9h26
